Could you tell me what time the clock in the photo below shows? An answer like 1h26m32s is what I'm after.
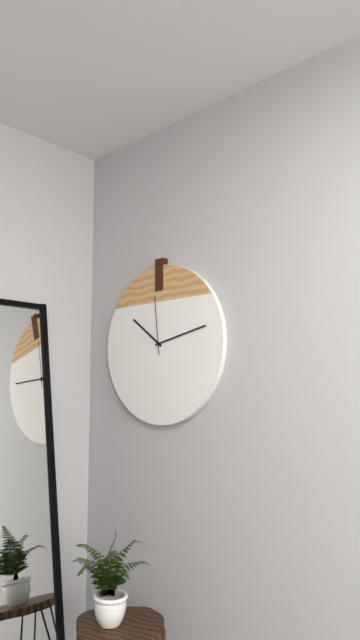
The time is 10h13m59s
